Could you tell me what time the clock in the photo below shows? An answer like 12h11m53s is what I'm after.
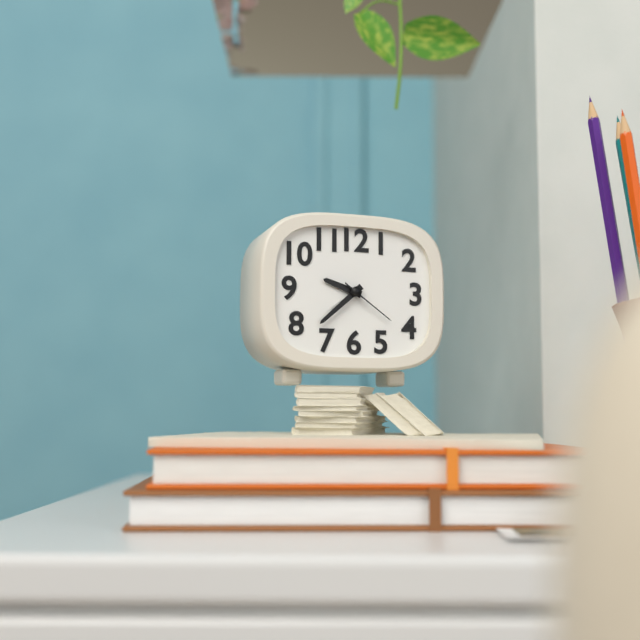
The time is 9h38m21s
